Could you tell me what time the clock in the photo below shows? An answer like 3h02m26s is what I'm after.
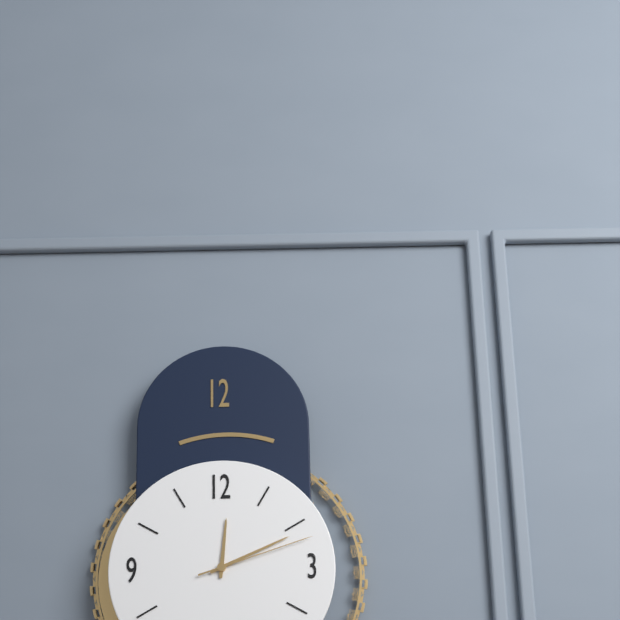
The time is 12h11m12s
